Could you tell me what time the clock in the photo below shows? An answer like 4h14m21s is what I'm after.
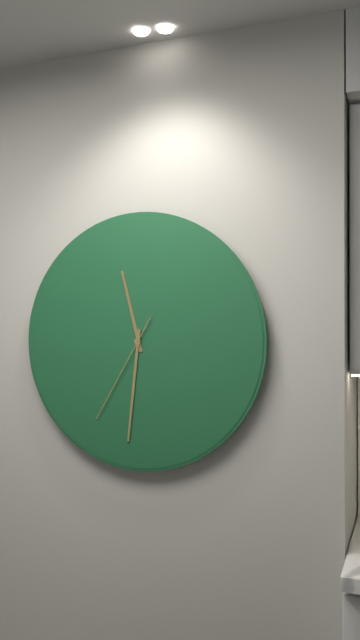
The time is 11h31m35s
